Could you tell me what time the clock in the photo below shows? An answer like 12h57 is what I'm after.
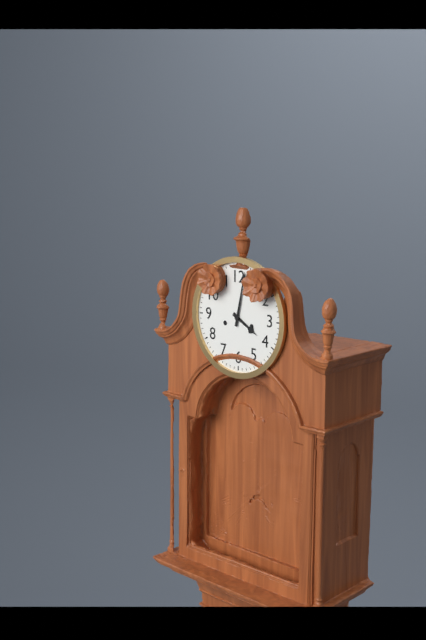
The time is 4h02
